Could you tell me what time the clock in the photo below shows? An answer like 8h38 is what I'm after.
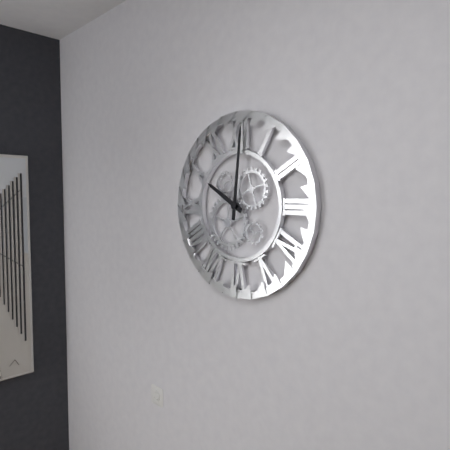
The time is 10h01
